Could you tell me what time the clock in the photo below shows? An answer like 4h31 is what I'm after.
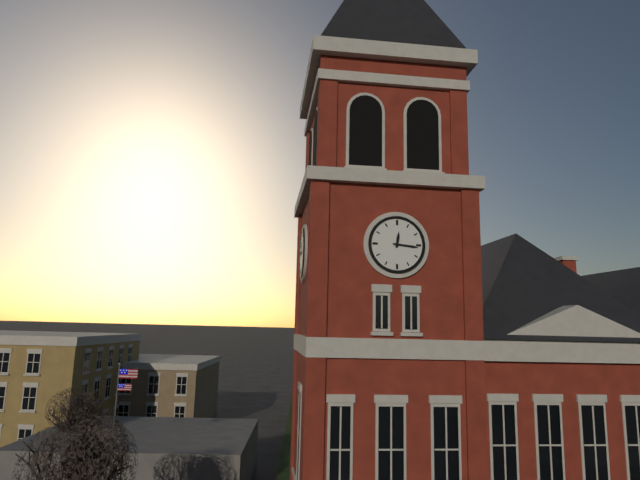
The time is 12h16
